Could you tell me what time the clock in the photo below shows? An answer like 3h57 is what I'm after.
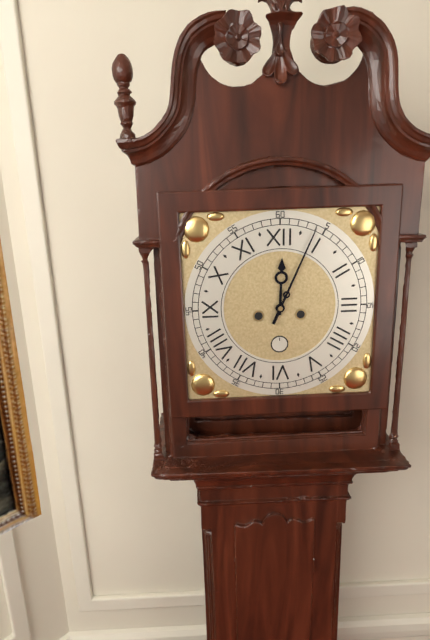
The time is 12h04
